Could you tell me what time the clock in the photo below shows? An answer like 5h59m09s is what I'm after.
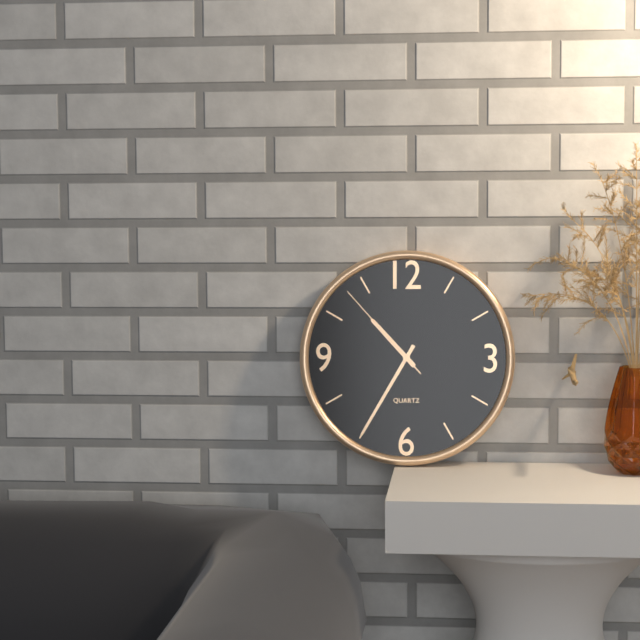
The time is 10h35m53s
